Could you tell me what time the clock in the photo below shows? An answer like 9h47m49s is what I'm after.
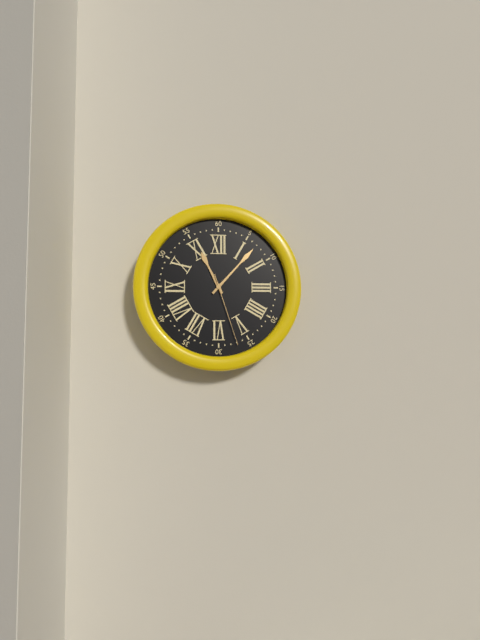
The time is 11h07m27s
